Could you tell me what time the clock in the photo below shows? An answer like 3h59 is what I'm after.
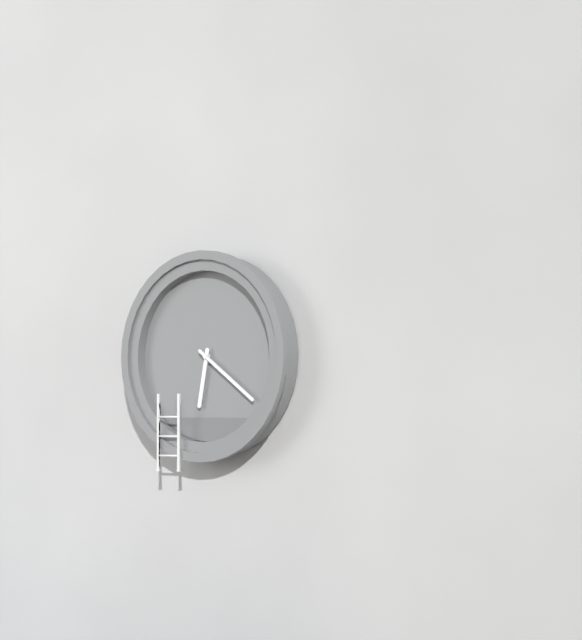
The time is 6h21
